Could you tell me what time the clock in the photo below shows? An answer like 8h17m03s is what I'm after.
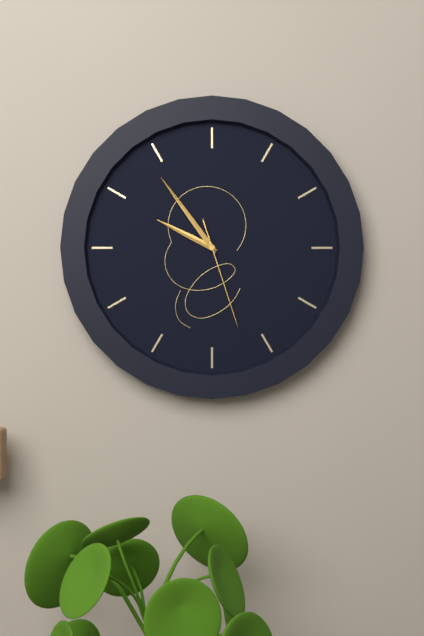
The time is 9h54m27s
